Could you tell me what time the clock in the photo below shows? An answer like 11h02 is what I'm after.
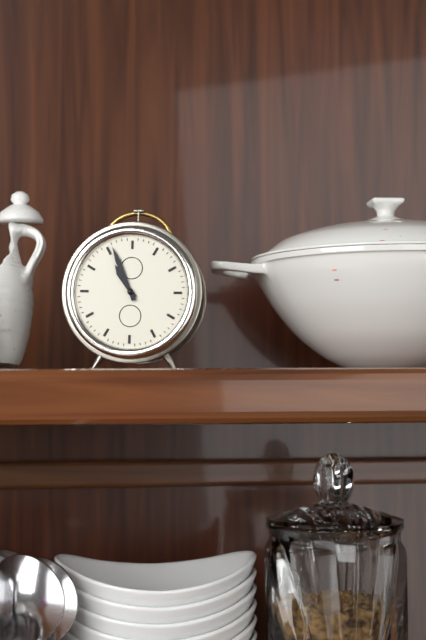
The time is 10h56
